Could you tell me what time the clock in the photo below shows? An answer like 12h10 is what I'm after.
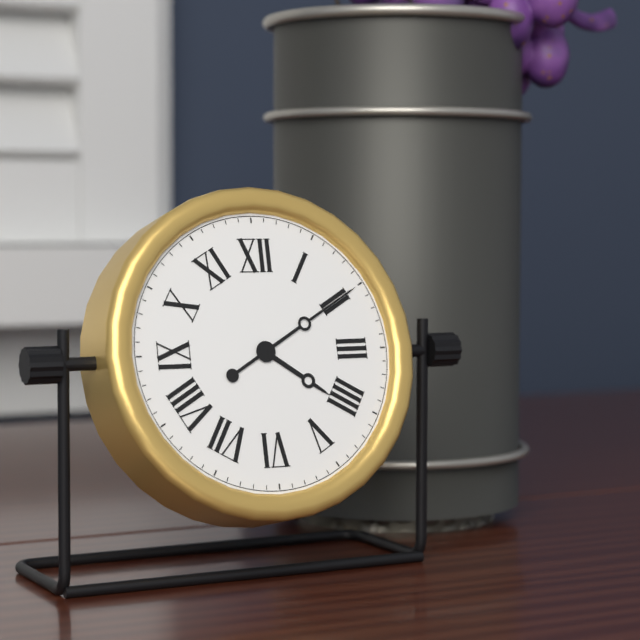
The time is 4h10
